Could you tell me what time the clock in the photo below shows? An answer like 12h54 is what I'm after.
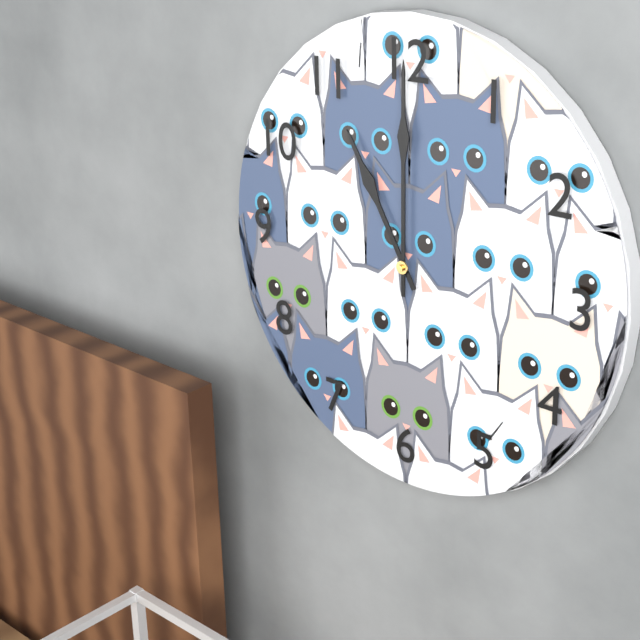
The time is 11h00
